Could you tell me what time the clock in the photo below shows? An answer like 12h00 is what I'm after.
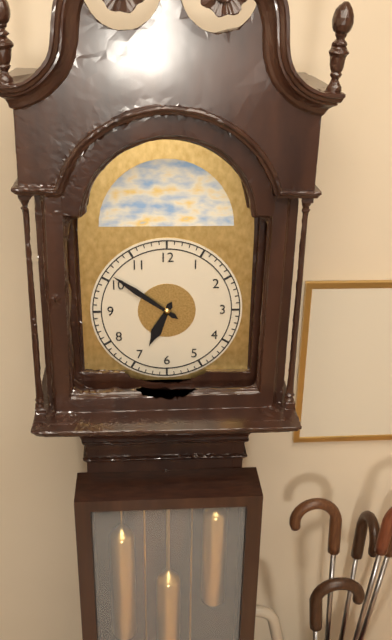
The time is 6h51
